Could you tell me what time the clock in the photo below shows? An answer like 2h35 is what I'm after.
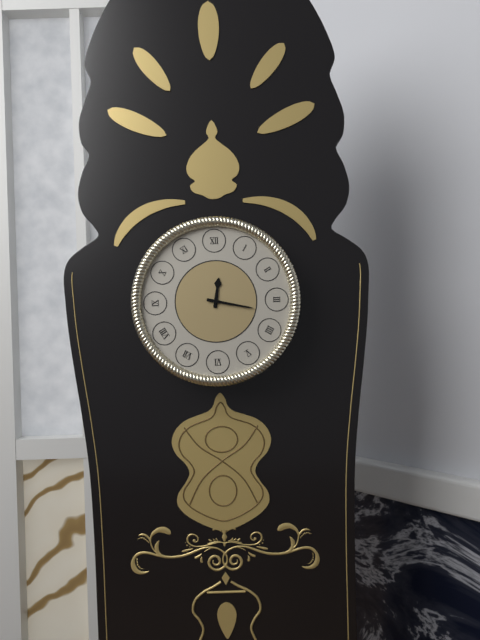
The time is 12h17
